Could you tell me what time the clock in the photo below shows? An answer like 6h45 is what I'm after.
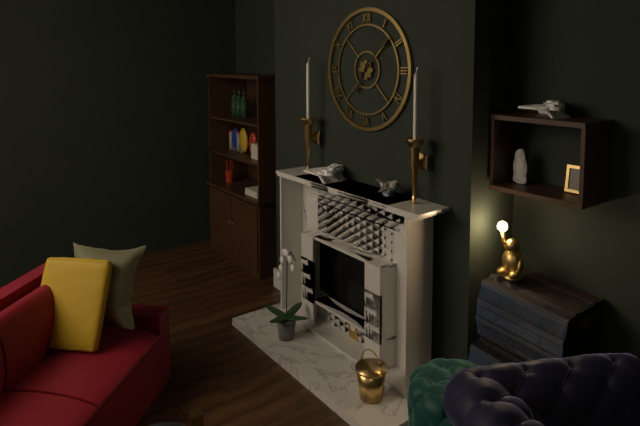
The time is 7h08
